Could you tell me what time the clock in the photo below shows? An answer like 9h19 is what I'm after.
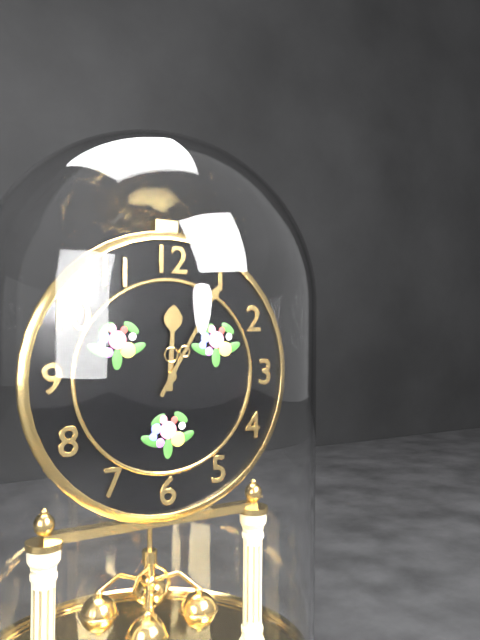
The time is 12h05
